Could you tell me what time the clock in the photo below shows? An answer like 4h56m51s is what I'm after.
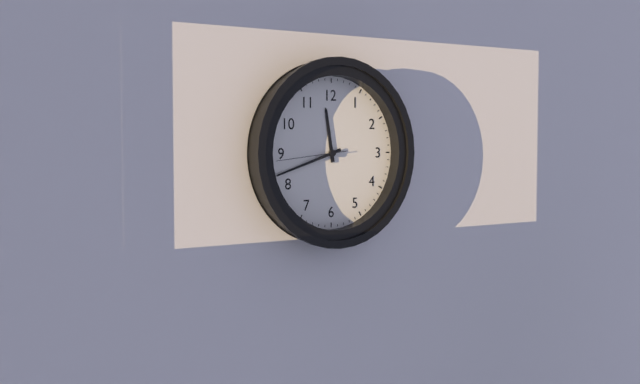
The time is 11h42m44s
